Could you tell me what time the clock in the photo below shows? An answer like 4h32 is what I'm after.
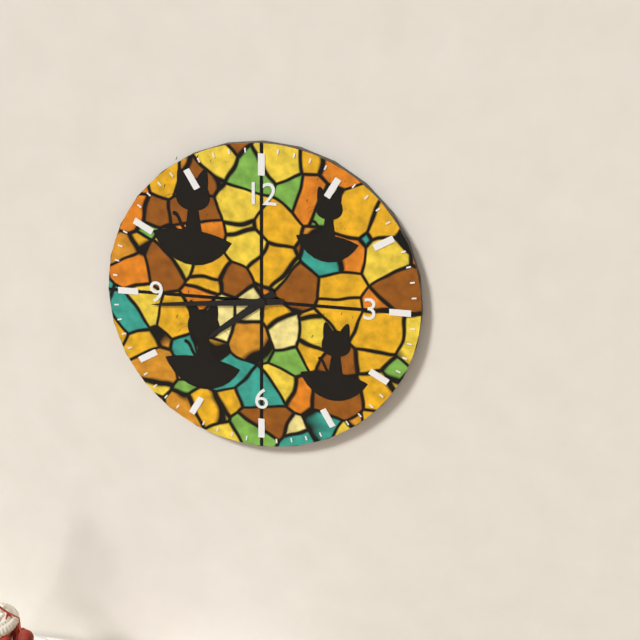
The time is 7h44
